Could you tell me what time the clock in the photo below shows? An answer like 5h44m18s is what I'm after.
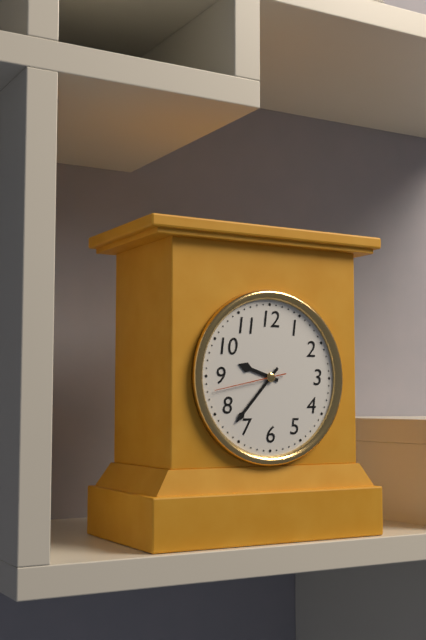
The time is 9h37m43s
